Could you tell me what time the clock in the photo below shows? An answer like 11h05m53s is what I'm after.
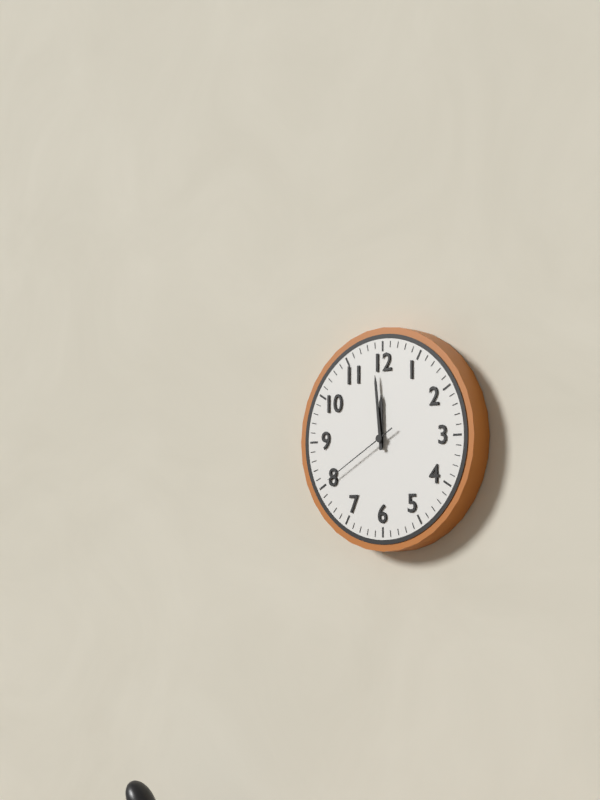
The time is 11h59m40s
